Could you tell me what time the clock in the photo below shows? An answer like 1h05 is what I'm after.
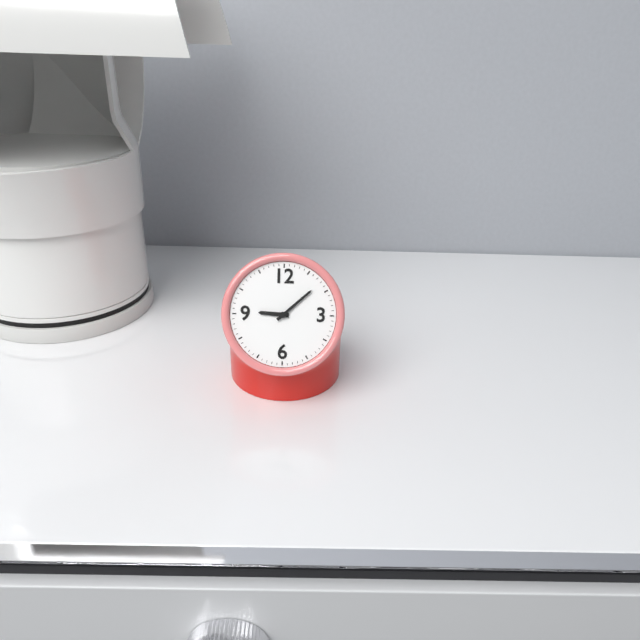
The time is 9h08
